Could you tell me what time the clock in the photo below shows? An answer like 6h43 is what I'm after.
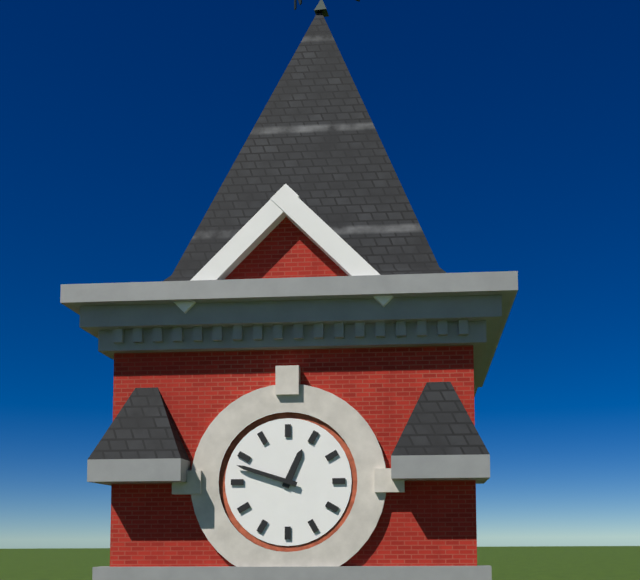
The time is 12h48
